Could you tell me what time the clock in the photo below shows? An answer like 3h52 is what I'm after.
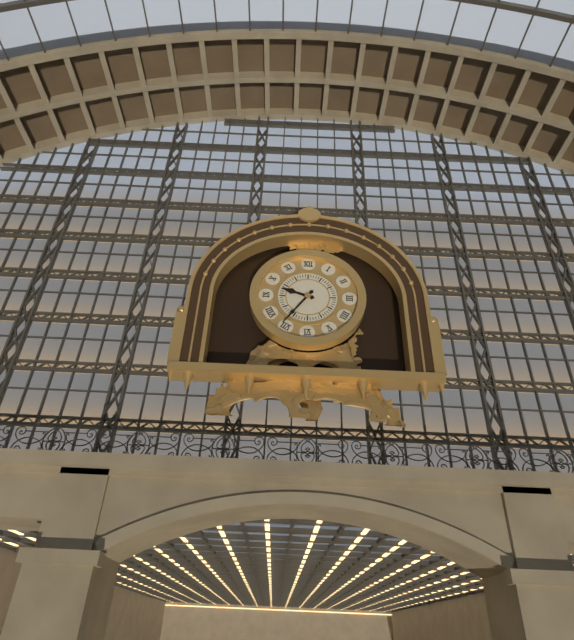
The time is 9h36
